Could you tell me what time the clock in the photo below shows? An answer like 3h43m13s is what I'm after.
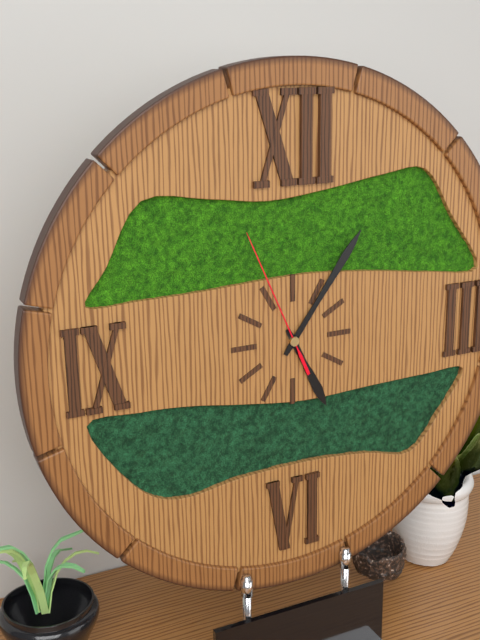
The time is 5h06m56s
